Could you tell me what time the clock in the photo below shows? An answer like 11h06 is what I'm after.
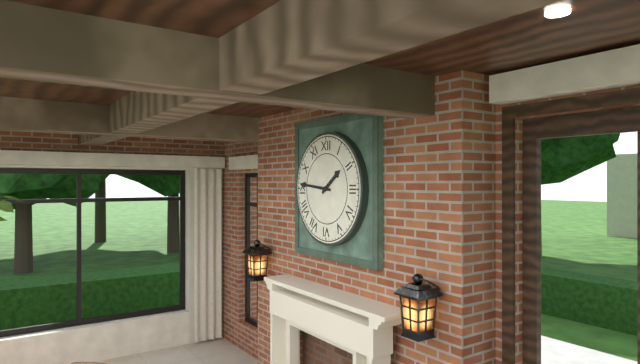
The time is 1h46
